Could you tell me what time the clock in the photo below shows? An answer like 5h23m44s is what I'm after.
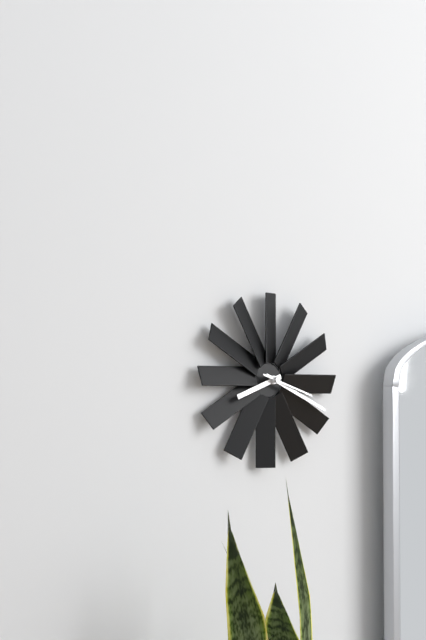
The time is 8h19m18s
